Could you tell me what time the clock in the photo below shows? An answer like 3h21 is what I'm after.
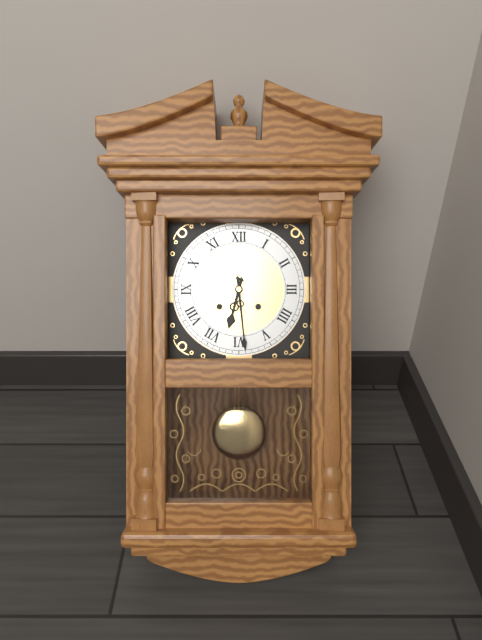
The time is 6h29
